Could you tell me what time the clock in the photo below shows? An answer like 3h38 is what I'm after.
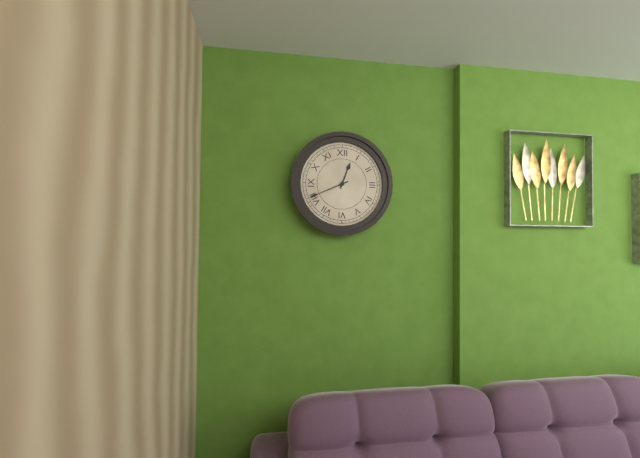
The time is 12h41
